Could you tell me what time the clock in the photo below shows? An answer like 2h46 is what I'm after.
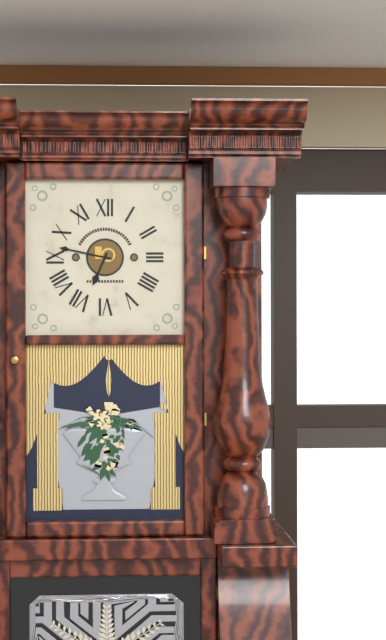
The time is 6h47
